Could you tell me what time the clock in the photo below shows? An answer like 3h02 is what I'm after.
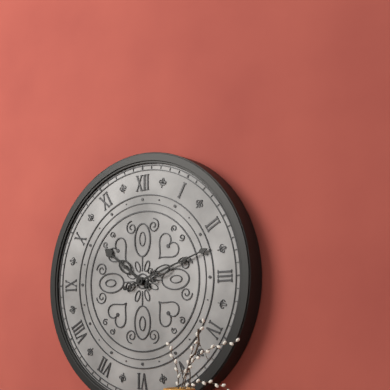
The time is 10h12
